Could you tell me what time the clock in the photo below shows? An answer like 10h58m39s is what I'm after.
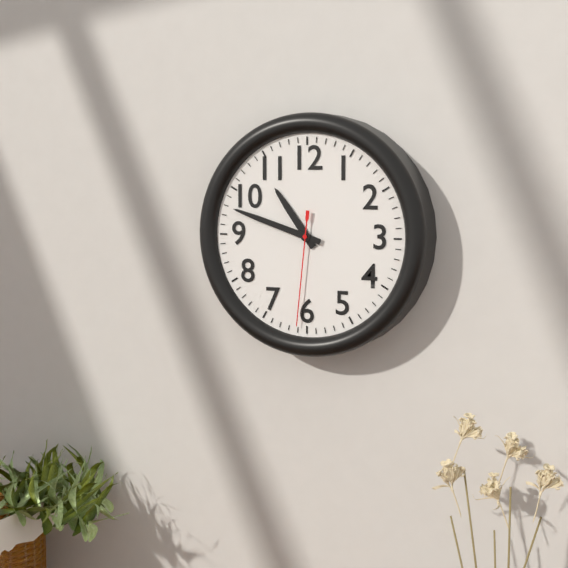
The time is 10h48m31s
